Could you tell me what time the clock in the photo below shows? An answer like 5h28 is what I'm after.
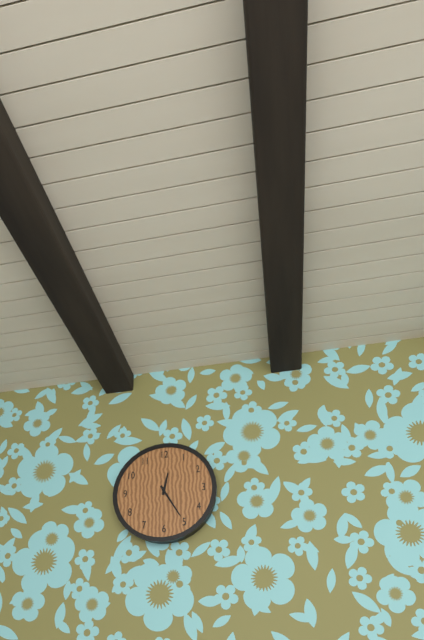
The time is 12h25
